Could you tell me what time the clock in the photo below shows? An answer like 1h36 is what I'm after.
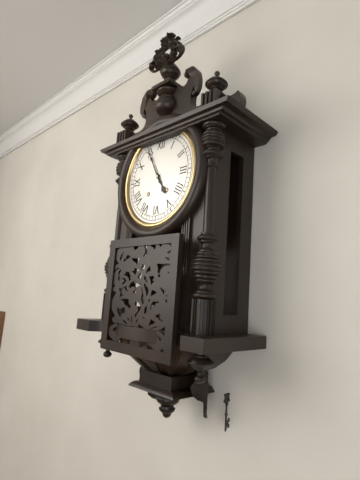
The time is 4h55
